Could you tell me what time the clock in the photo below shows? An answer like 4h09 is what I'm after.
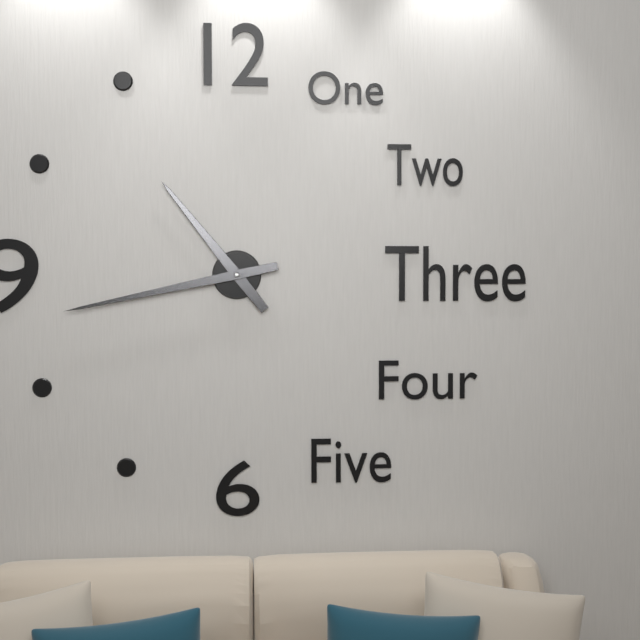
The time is 10h43
